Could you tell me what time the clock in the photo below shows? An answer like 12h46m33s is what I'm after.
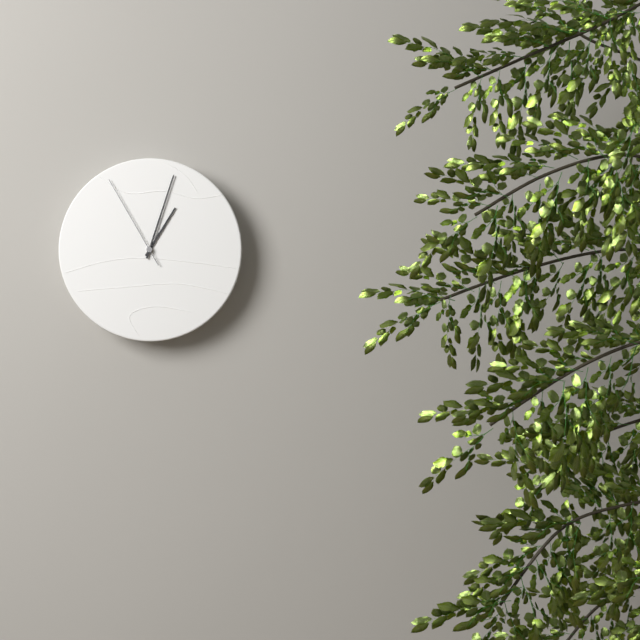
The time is 1h03m55s
